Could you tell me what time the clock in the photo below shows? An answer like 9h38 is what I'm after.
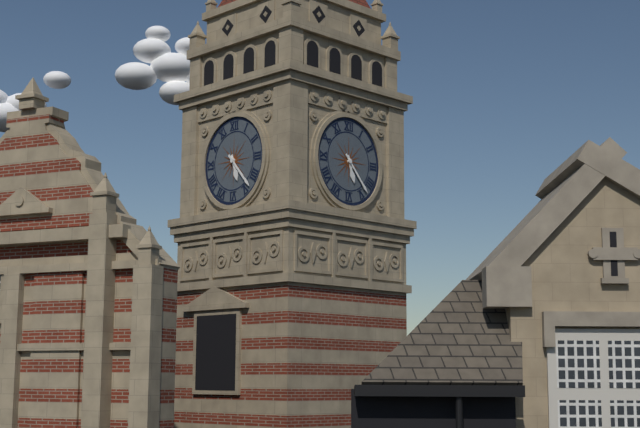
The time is 5h23
